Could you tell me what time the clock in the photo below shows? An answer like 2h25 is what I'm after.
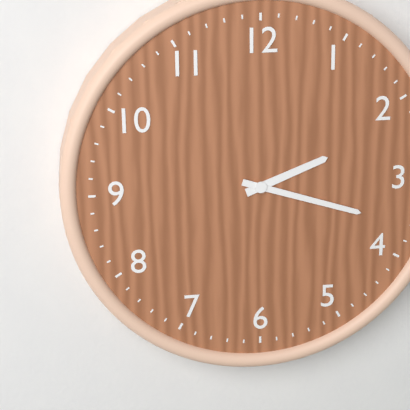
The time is 2h18
